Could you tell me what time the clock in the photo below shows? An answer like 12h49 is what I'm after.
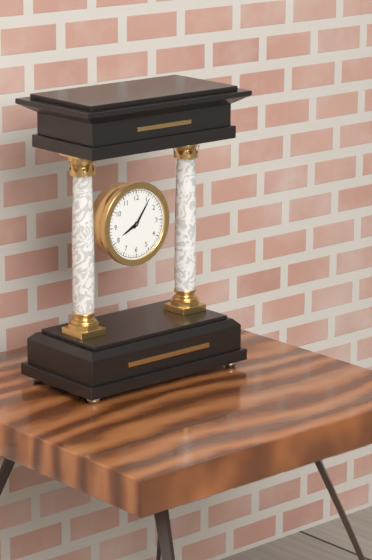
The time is 8h06
